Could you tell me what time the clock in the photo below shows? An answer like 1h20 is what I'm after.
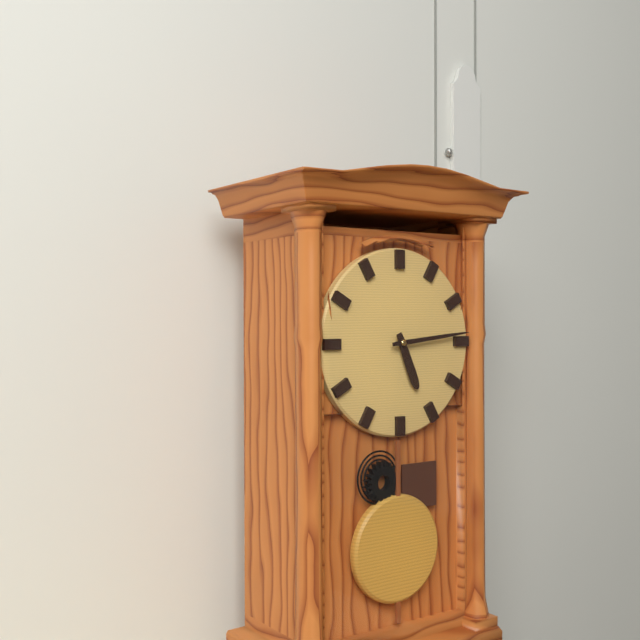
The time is 5h14
